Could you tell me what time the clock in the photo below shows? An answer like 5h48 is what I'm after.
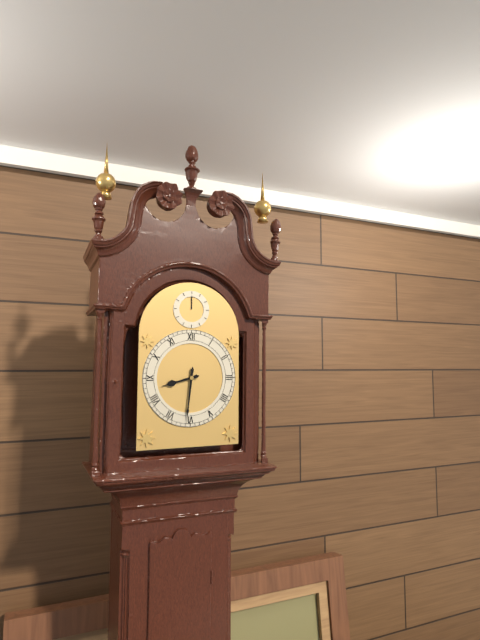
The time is 8h31
